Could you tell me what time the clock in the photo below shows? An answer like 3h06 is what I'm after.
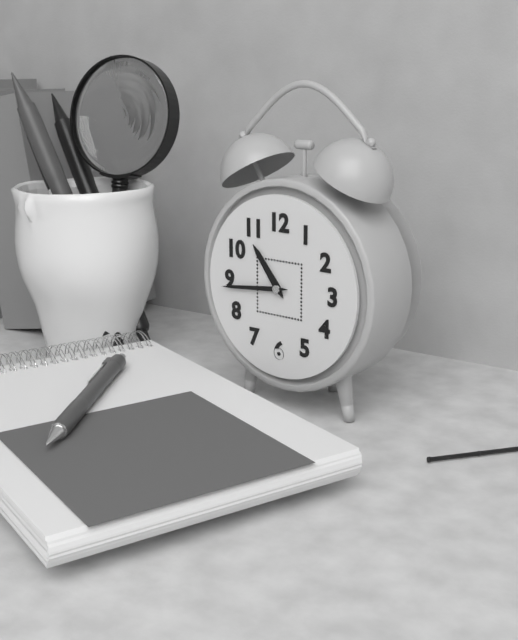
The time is 10h44
